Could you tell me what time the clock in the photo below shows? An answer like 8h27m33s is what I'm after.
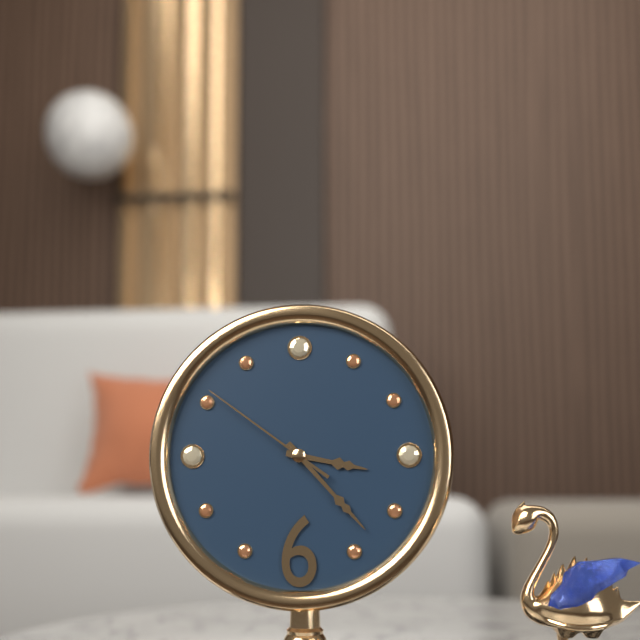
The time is 3h23m51s
